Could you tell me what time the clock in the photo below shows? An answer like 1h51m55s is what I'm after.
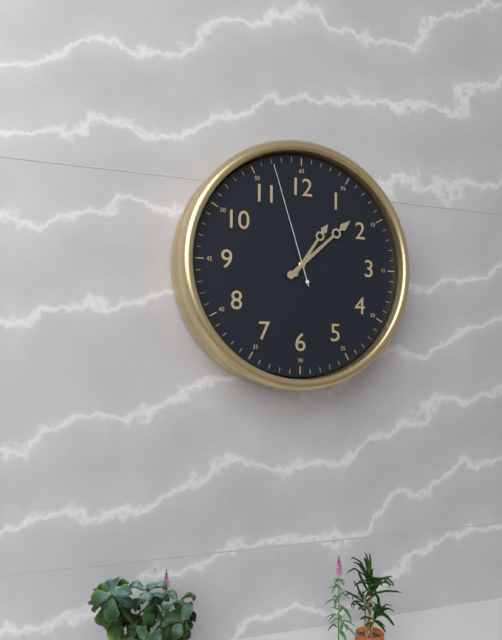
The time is 1h08m57s
